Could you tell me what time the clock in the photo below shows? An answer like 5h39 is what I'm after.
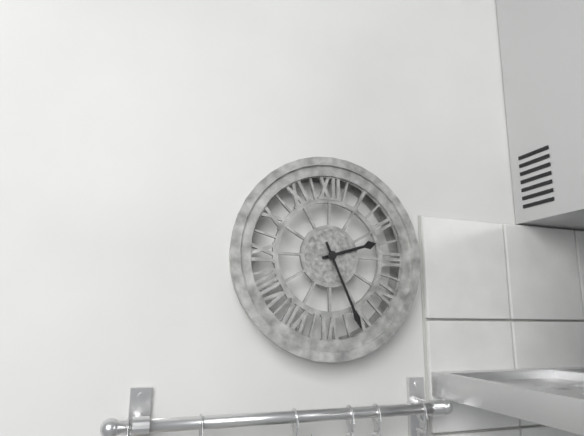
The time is 2h26
